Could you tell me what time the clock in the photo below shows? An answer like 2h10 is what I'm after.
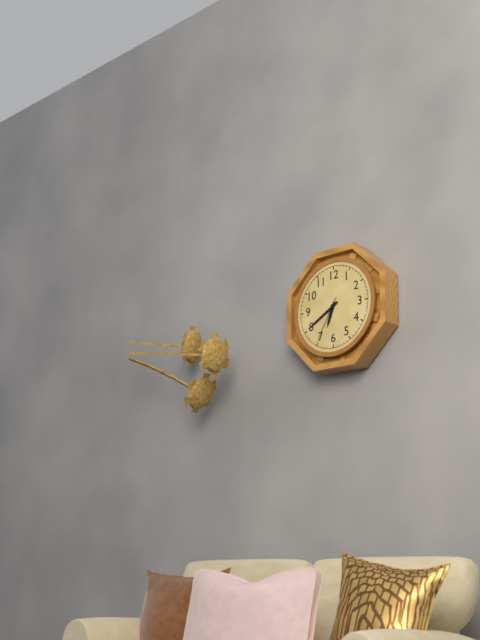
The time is 6h40
